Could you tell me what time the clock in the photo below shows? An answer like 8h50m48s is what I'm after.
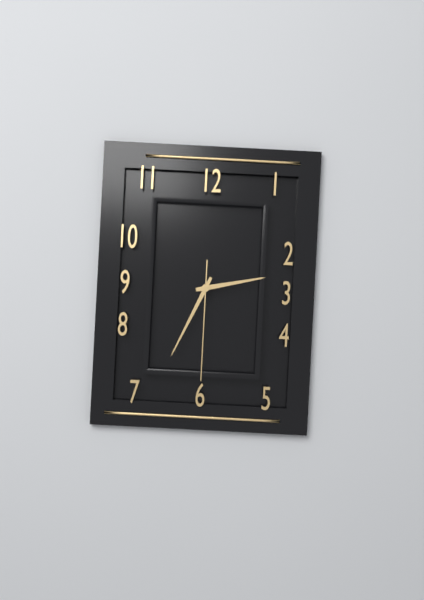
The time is 2h34m30s
